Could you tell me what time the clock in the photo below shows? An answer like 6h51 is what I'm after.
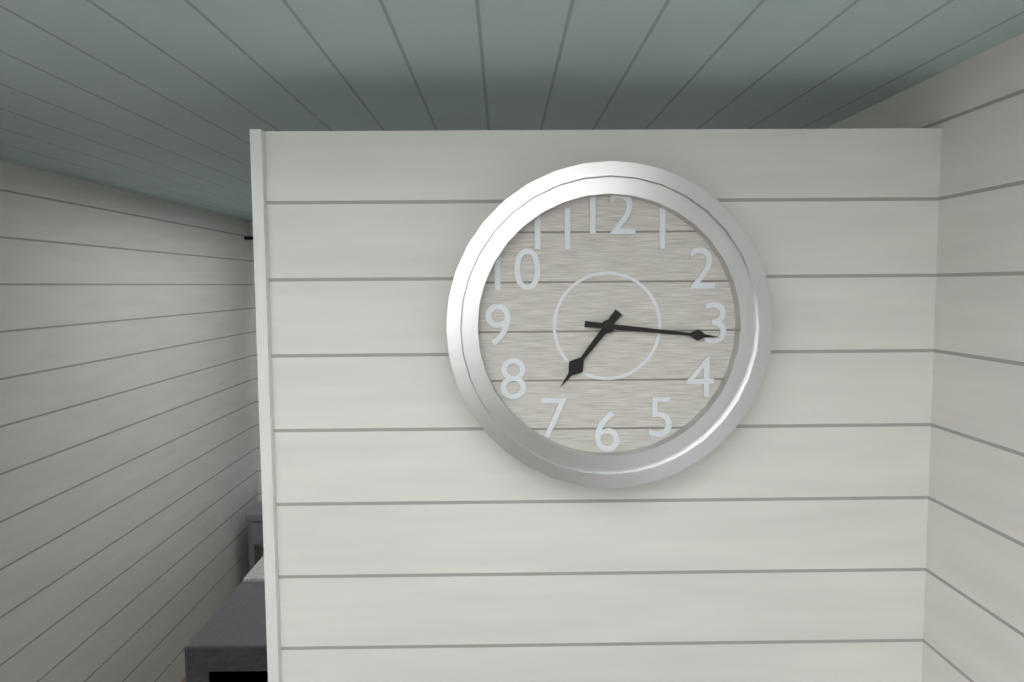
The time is 7h16
